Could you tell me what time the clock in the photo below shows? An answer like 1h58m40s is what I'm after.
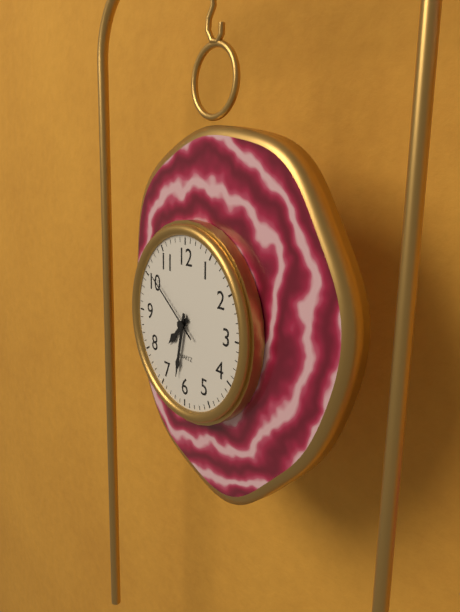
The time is 7h32m51s
